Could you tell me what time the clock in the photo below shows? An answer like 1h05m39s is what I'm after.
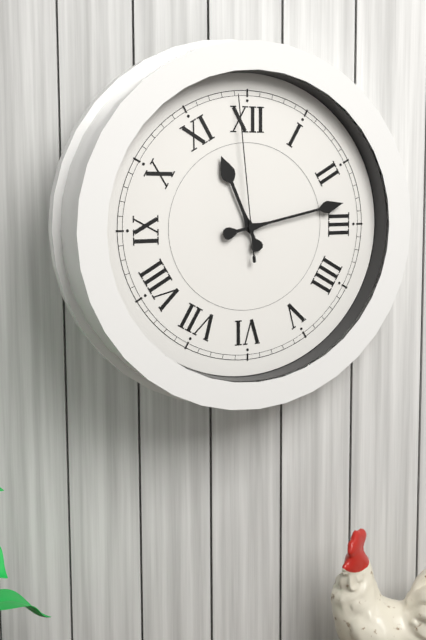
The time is 11h13m59s
